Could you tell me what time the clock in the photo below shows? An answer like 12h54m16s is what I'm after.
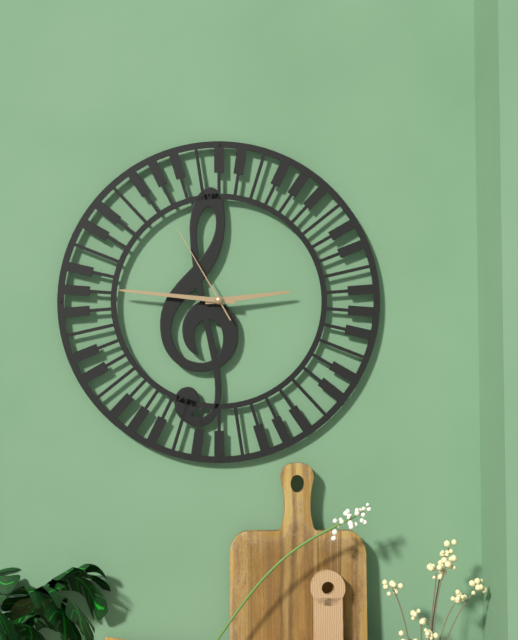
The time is 2h46m55s
